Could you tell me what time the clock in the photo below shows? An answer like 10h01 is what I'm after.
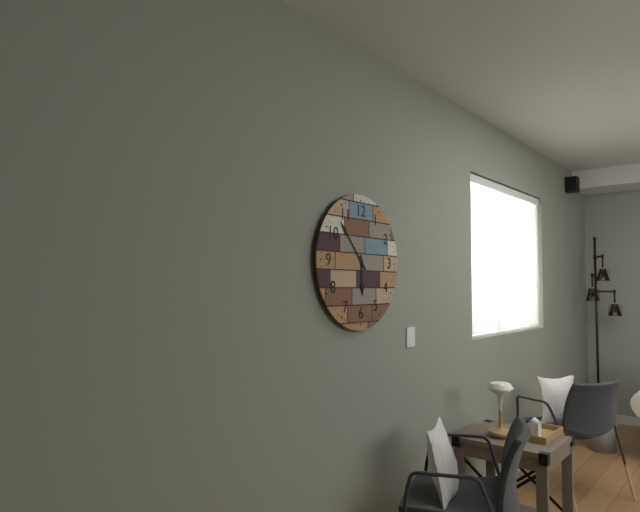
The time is 5h53
